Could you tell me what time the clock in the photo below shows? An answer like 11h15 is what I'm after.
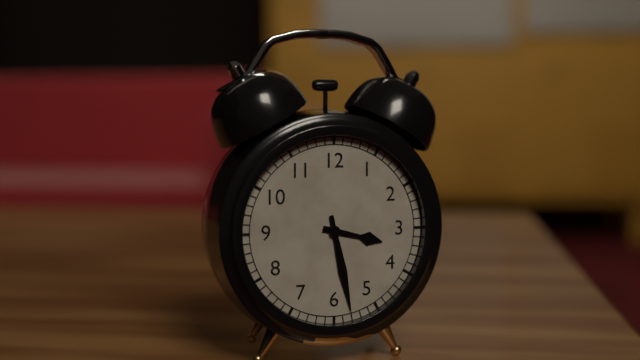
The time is 3h28
